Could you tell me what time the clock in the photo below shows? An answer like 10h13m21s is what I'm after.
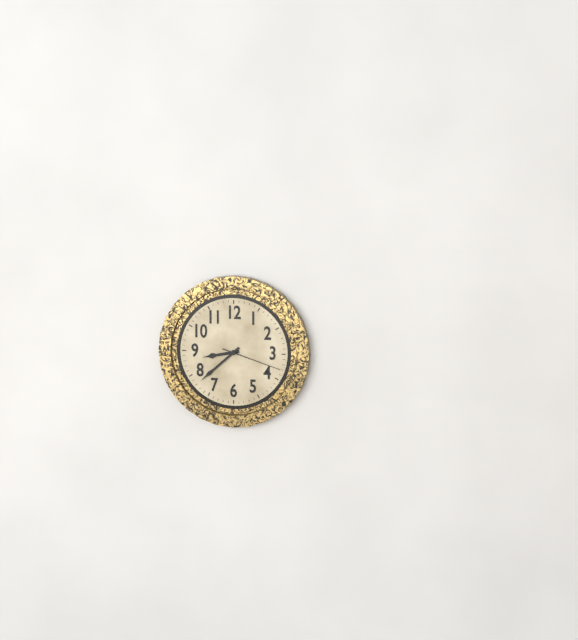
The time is 8h38m18s
